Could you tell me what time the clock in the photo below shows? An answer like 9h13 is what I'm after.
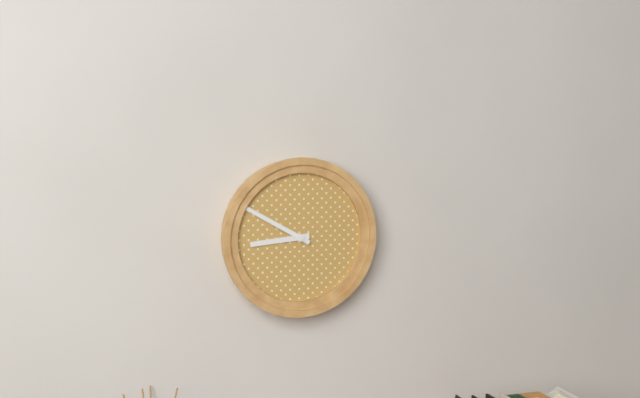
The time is 8h50
